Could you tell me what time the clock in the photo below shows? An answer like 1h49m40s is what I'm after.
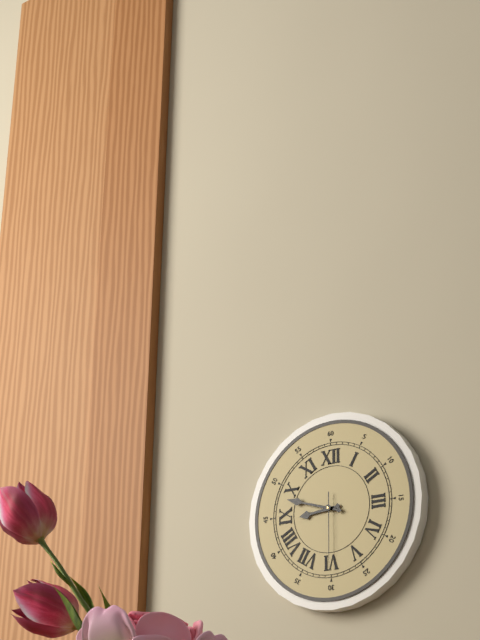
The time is 8h48m30s
